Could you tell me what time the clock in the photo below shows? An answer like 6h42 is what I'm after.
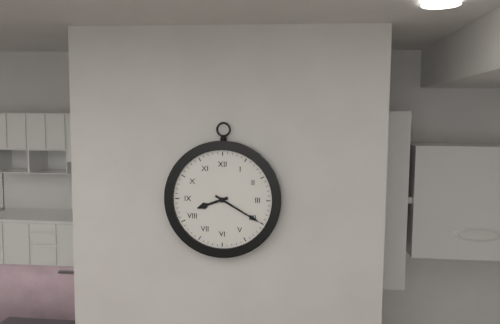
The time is 8h20
